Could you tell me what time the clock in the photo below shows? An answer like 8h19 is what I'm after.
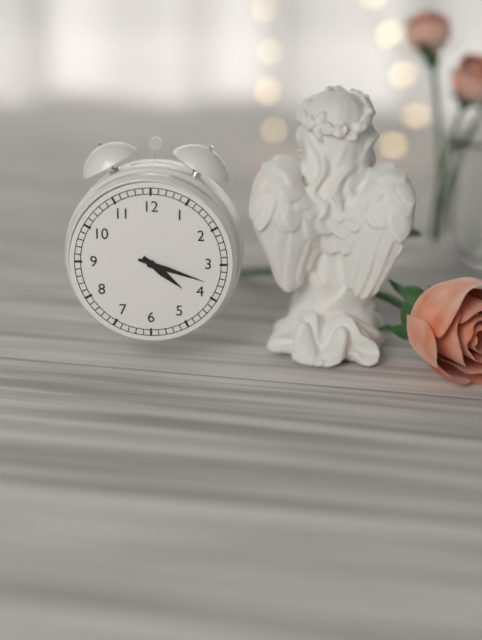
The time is 4h18
